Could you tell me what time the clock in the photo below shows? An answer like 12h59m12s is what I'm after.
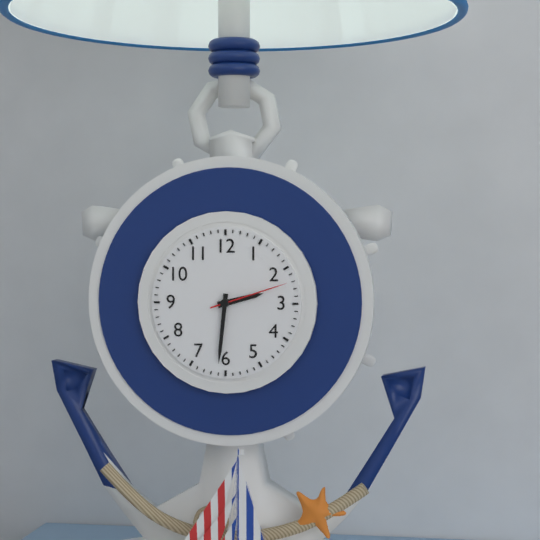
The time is 2h31m12s
